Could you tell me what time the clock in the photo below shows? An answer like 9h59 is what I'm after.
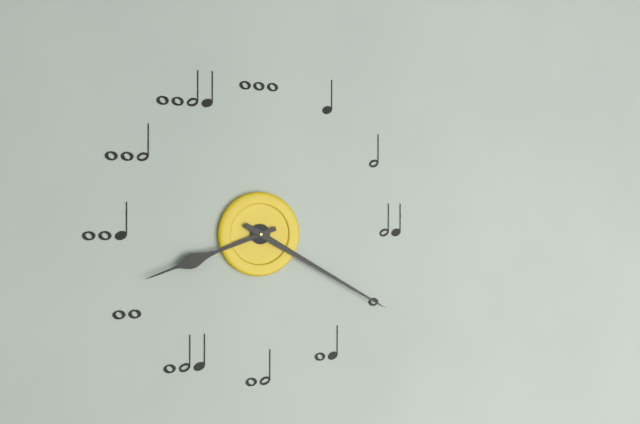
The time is 8h20
